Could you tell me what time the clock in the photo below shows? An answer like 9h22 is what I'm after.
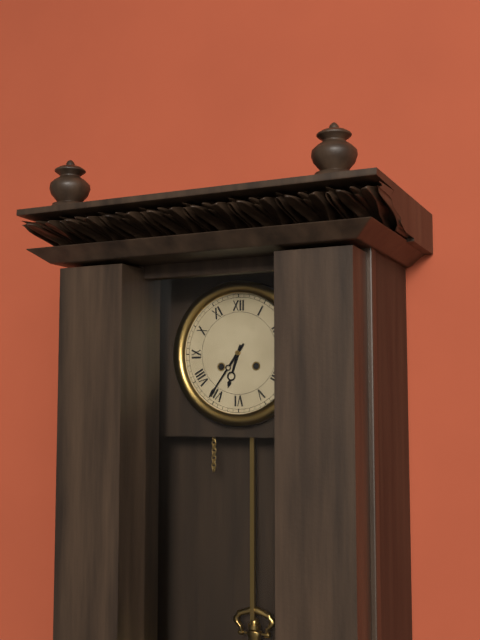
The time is 6h36
